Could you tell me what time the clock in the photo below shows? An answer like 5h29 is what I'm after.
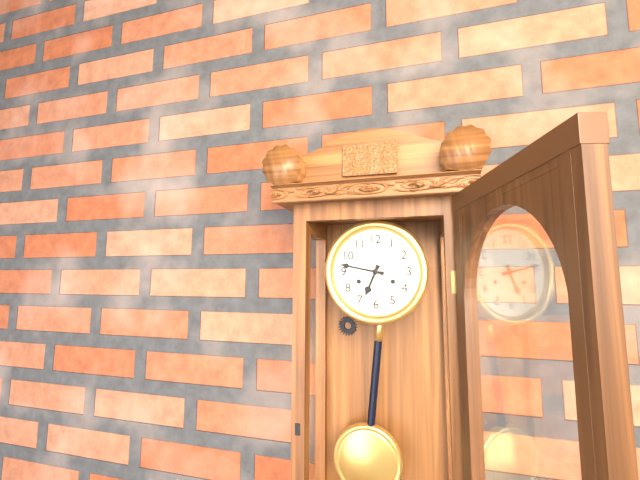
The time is 6h47
